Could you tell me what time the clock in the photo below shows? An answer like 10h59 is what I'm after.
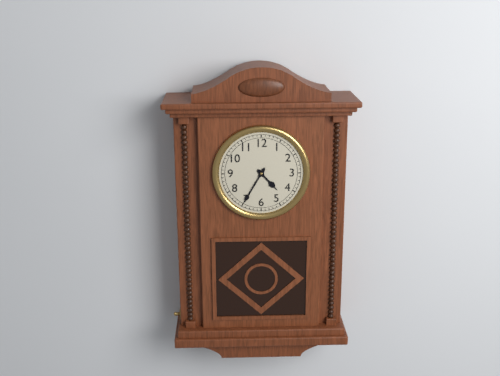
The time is 4h35
